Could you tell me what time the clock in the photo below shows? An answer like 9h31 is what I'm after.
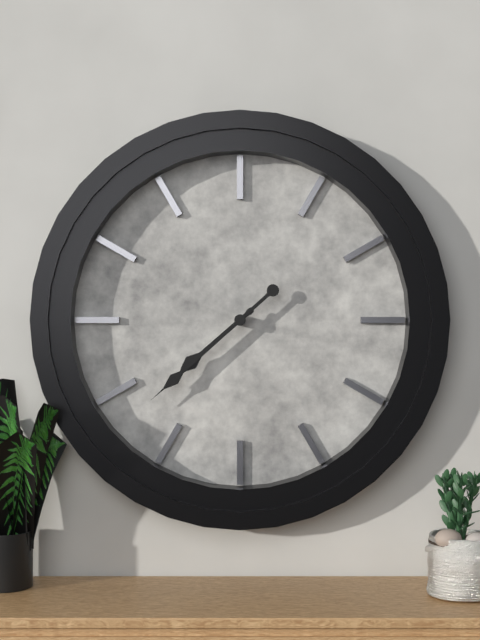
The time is 7h38
